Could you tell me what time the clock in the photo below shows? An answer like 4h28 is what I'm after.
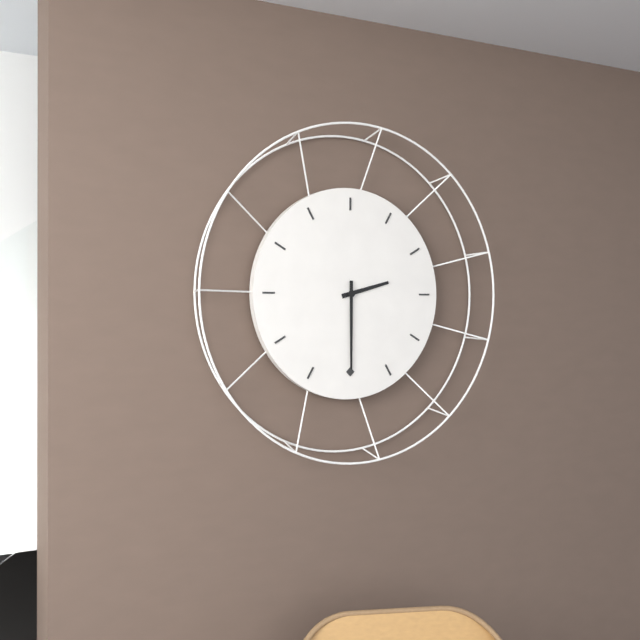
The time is 2h30
